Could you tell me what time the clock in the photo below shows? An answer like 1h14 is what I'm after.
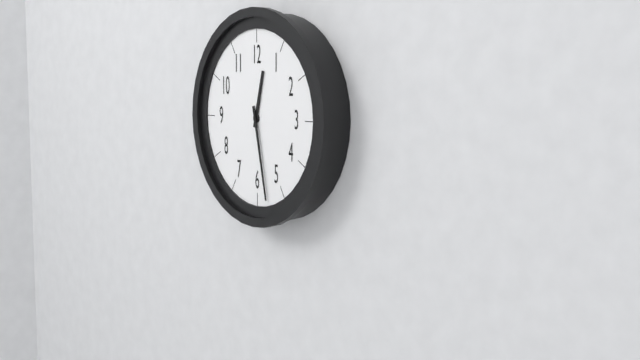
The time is 12h28
